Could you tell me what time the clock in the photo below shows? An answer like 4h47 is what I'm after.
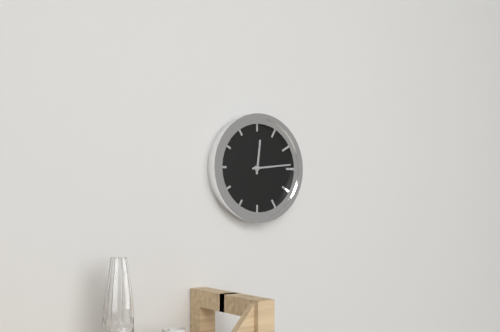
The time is 12h14
